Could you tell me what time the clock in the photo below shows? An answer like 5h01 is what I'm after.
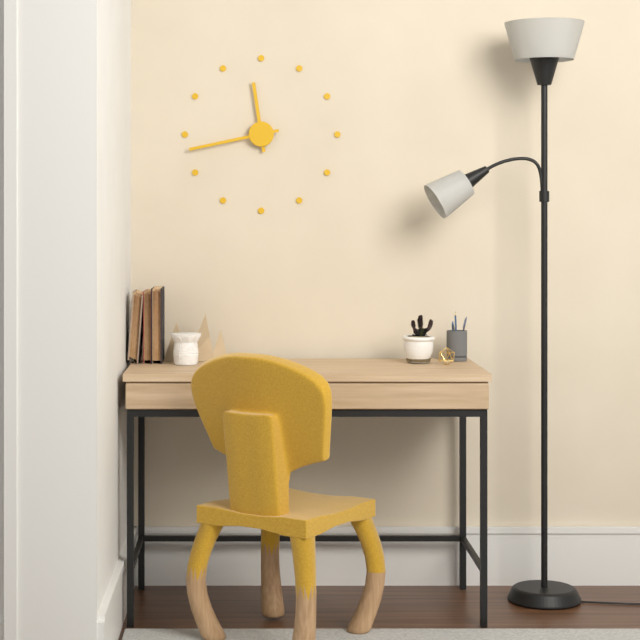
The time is 11h43
